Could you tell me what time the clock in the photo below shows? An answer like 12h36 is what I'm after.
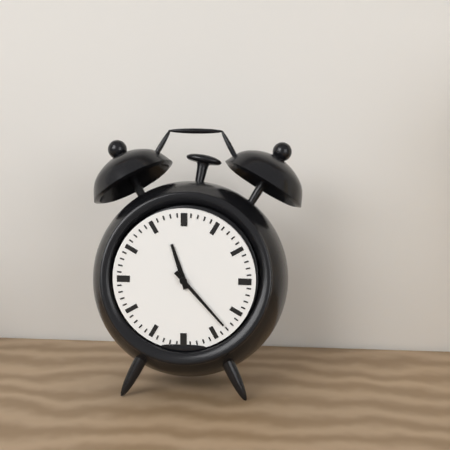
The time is 11h23
